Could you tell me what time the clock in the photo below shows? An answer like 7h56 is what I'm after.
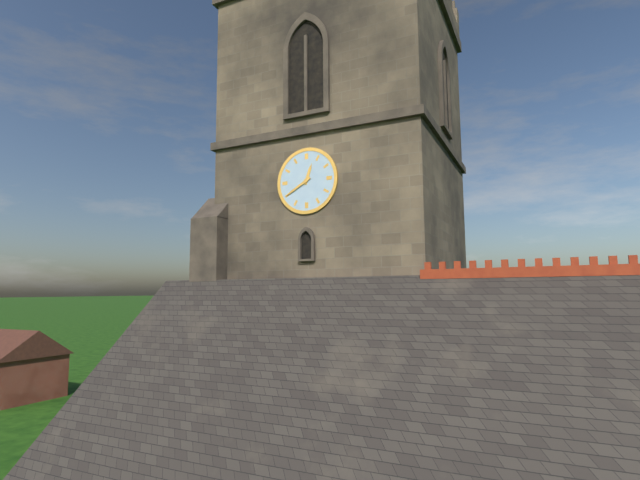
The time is 12h40
